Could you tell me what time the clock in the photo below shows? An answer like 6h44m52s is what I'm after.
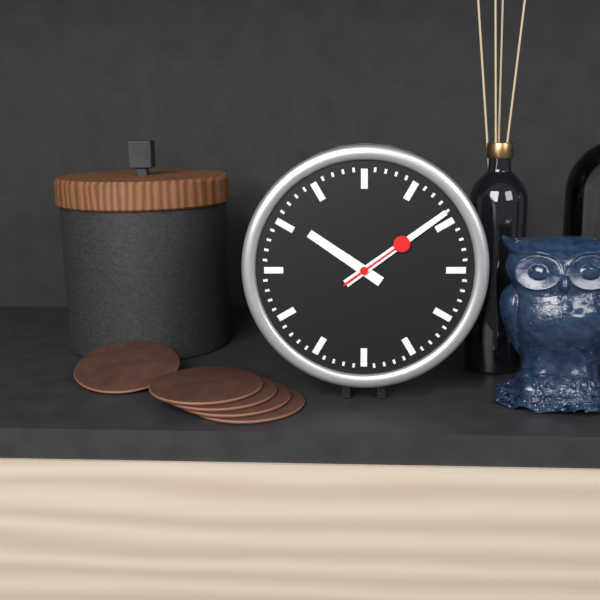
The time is 10h09m09s
